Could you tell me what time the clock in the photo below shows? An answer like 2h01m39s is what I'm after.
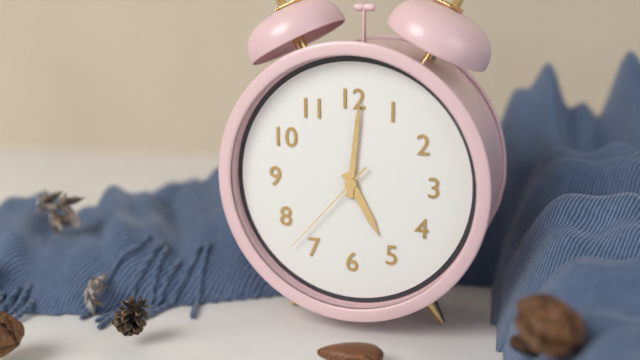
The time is 5h01m37s
